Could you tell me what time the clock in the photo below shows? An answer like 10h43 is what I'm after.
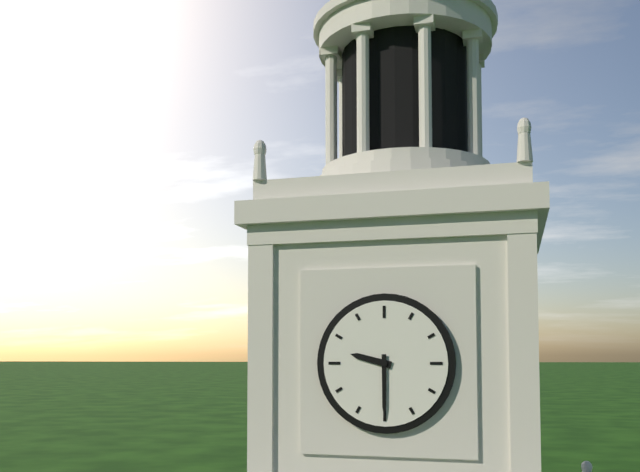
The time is 9h30
